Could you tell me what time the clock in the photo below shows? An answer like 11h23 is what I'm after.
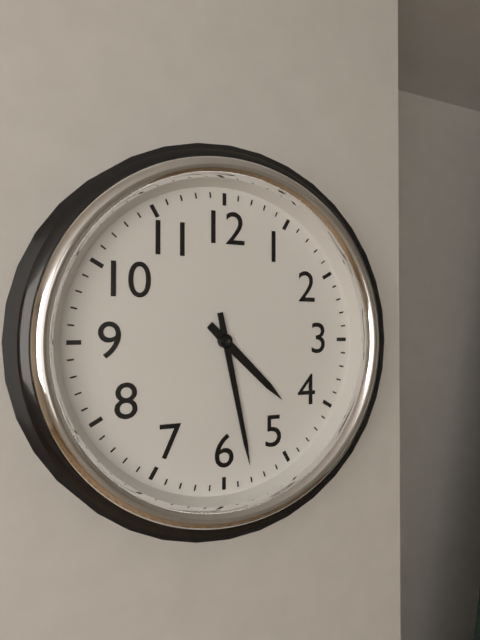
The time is 4h28
